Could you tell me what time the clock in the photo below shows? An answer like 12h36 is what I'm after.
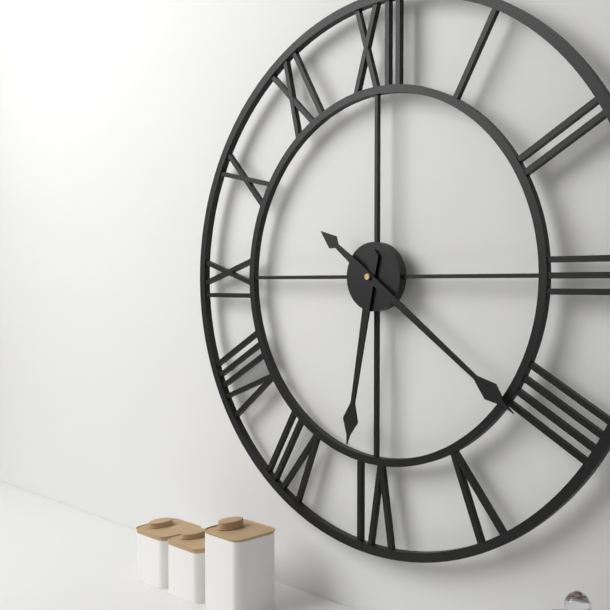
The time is 6h21
